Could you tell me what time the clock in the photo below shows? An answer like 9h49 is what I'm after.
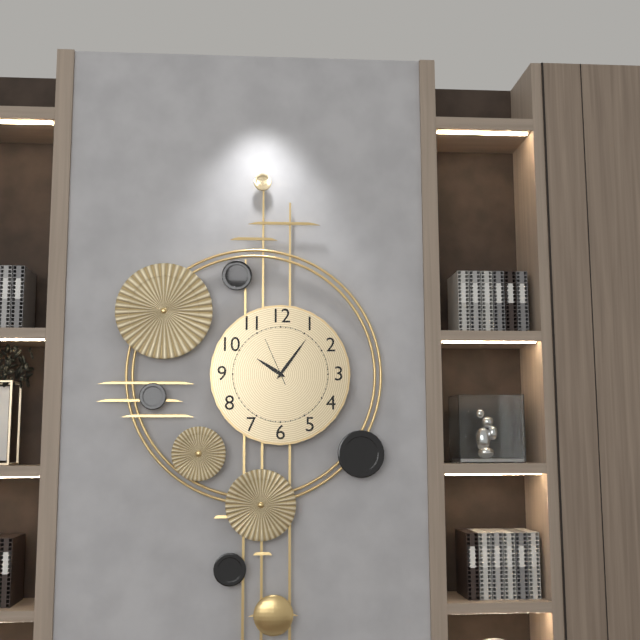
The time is 10h06
